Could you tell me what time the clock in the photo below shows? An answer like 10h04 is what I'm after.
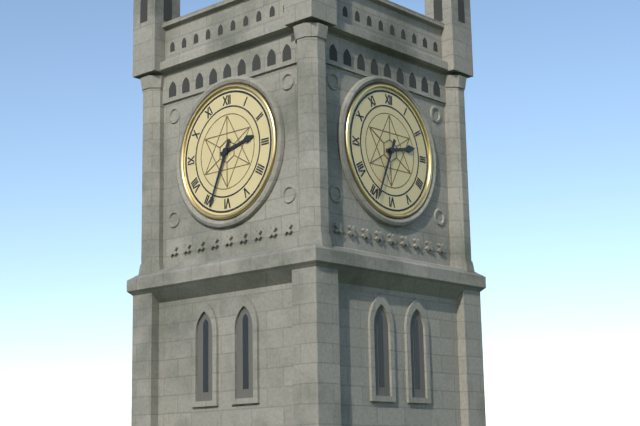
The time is 2h34
